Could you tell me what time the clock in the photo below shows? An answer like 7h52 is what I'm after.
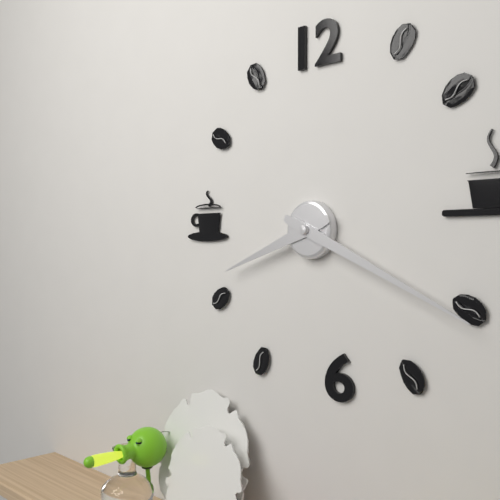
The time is 8h19
